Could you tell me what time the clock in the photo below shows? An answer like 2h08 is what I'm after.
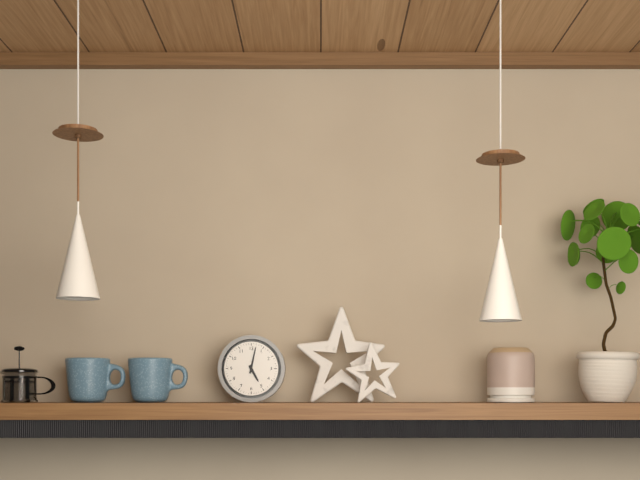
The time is 5h02
